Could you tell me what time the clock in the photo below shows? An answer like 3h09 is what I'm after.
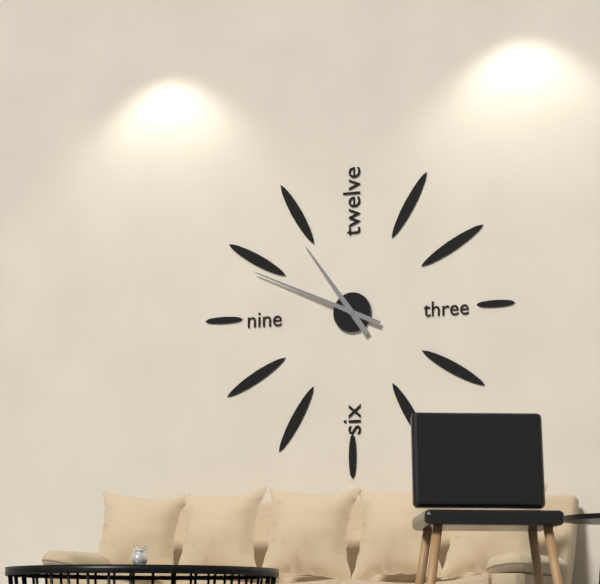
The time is 10h49
